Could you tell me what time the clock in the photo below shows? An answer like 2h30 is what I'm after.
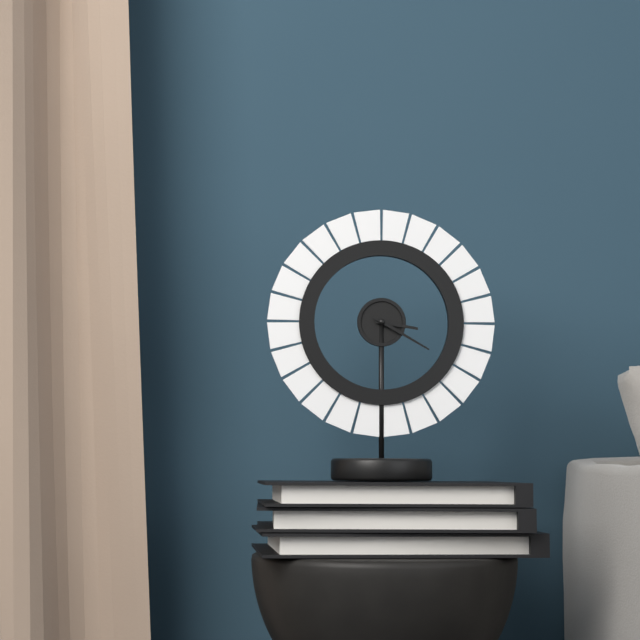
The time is 3h20
